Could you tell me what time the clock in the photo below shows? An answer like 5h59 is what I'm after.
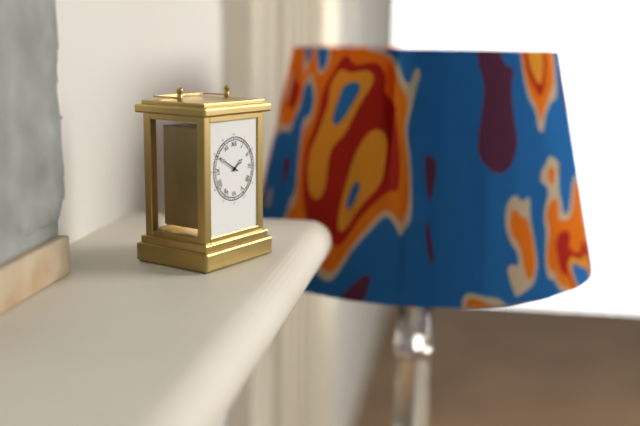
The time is 1h50
